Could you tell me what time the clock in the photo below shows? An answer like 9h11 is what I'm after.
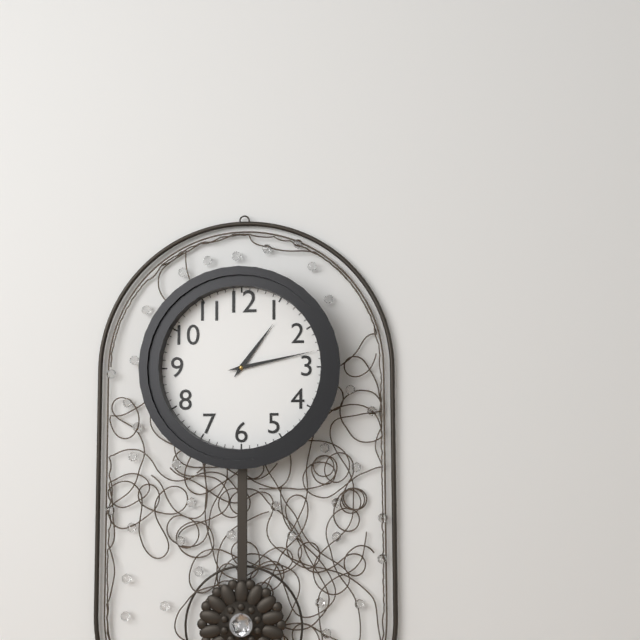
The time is 1h13
